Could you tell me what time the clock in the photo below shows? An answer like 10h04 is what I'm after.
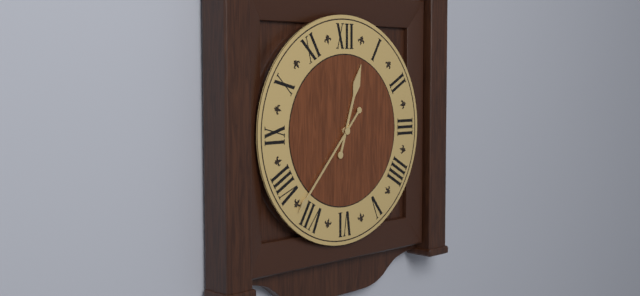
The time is 12h37
